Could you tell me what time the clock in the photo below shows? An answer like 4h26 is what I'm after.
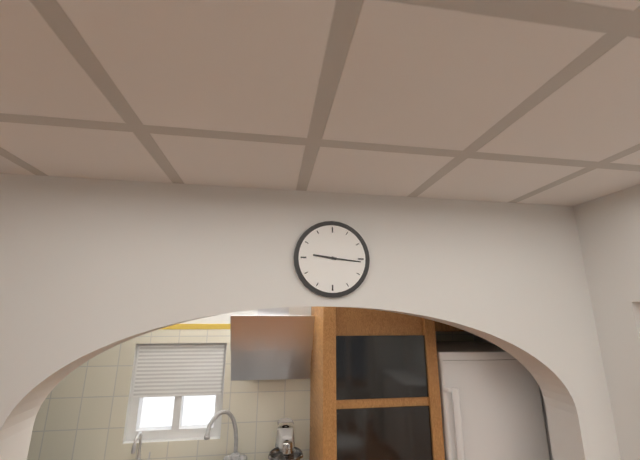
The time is 9h16
